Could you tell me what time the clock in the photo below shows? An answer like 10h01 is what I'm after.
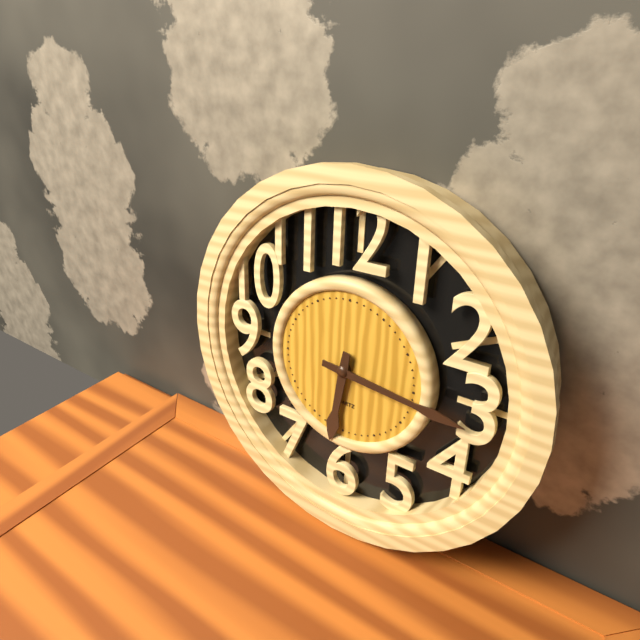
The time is 6h16
